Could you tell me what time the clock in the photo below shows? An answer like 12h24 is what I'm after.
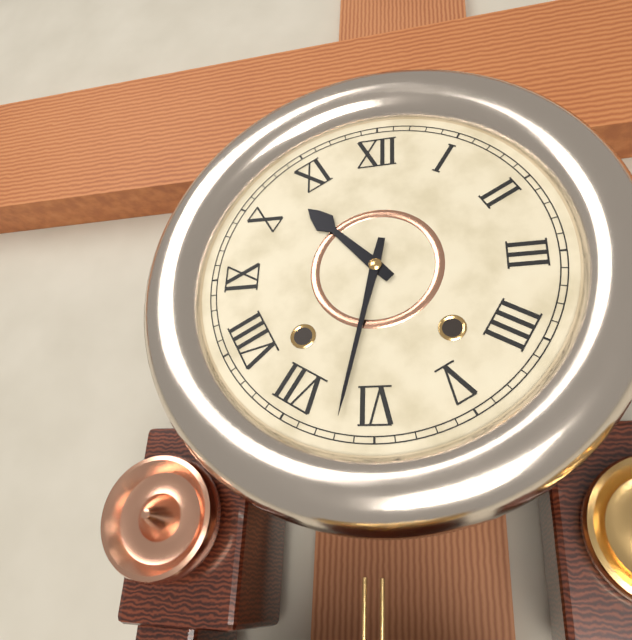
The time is 10h32
